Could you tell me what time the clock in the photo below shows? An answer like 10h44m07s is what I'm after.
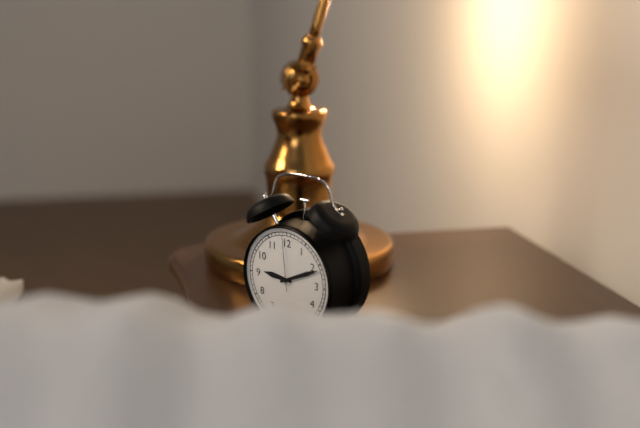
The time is 9h11m59s
